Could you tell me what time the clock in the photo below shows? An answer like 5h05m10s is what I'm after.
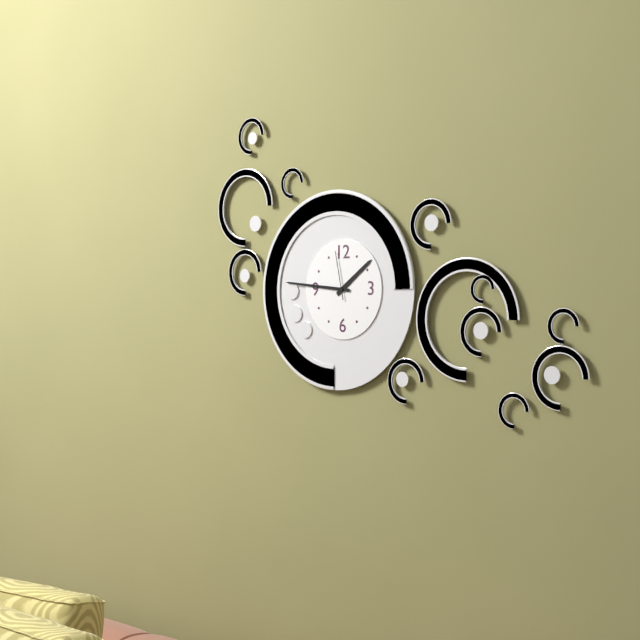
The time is 1h46m58s
